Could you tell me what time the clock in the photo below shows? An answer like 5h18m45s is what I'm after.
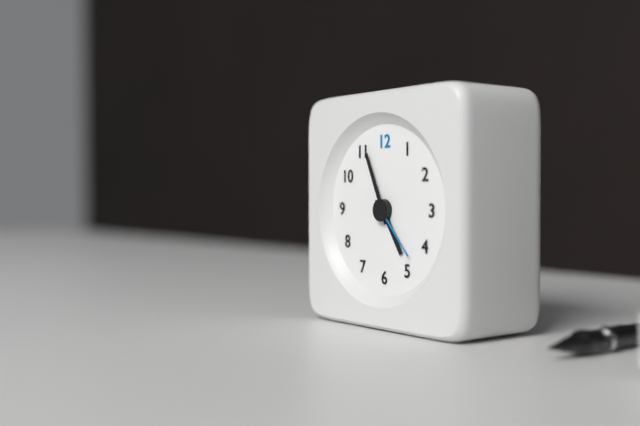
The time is 4h56m23s
